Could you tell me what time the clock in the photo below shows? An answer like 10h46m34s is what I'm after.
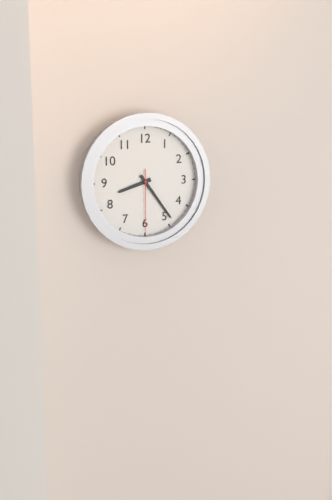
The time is 8h24m30s
